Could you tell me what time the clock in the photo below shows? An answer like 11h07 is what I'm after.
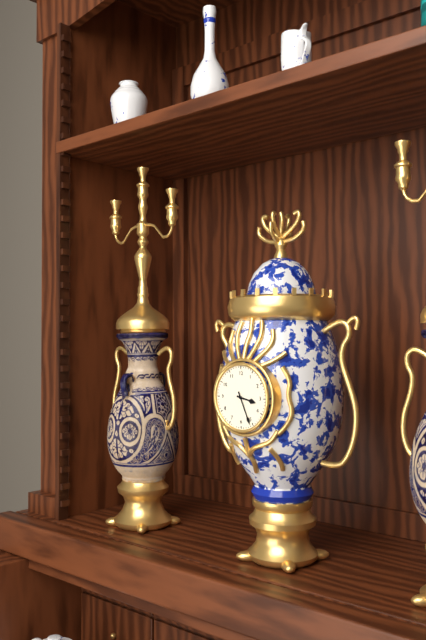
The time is 3h26
